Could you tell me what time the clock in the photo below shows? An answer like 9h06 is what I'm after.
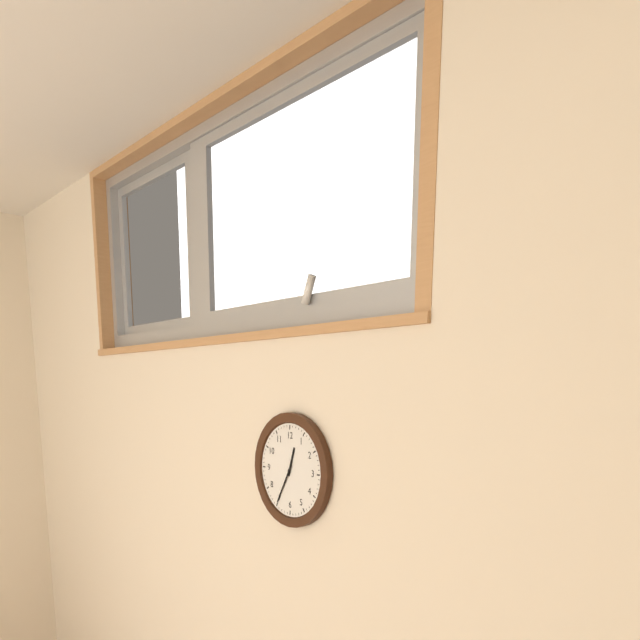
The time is 12h35
